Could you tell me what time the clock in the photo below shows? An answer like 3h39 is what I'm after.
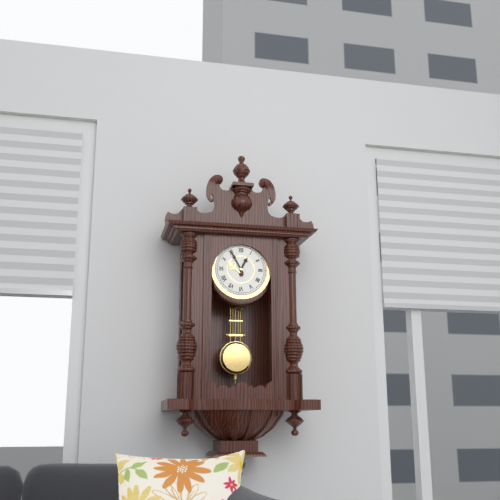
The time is 12h55
